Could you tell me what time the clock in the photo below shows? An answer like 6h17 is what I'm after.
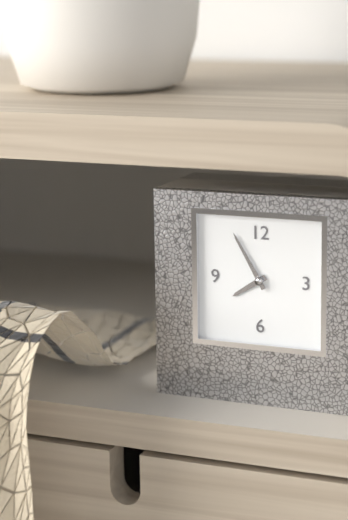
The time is 7h55
